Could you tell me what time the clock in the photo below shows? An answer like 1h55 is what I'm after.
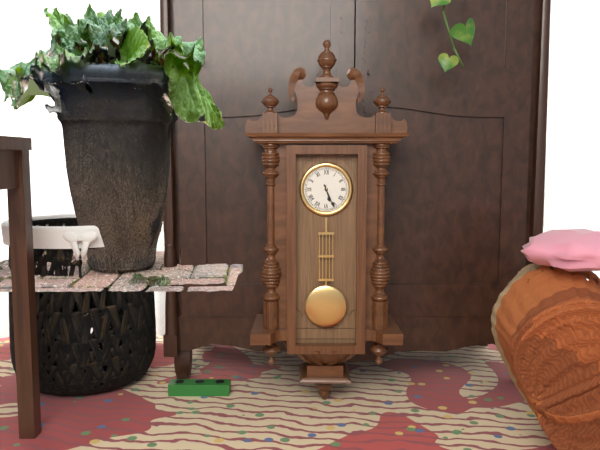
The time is 5h26
